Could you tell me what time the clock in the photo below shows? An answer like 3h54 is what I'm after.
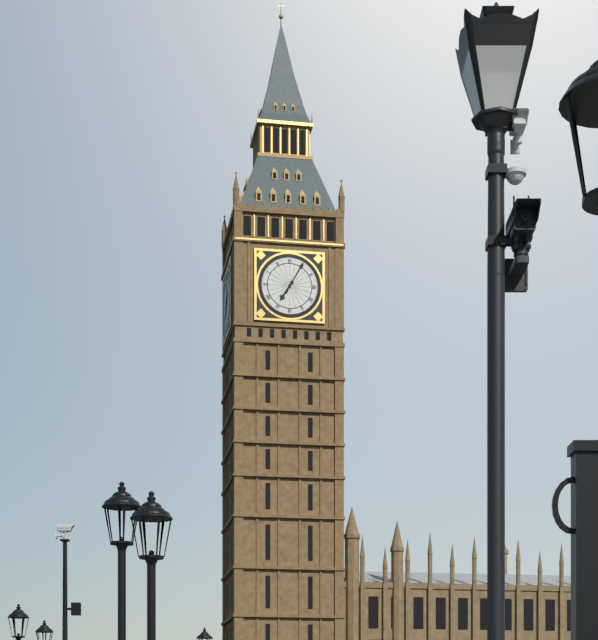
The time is 7h05
